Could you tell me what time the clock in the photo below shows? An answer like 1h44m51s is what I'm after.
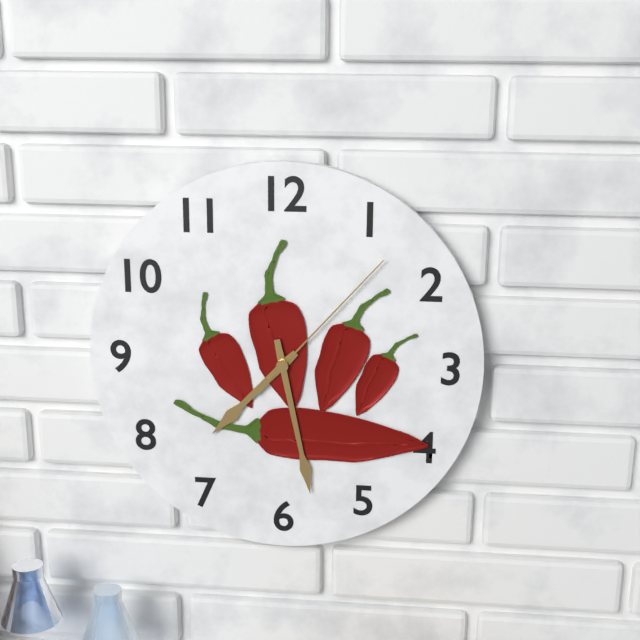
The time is 7h28m07s
